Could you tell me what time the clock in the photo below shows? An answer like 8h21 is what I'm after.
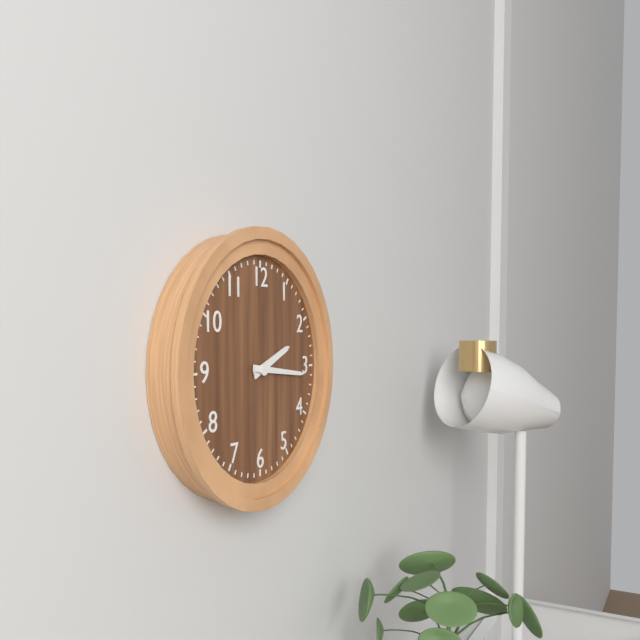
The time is 2h16
